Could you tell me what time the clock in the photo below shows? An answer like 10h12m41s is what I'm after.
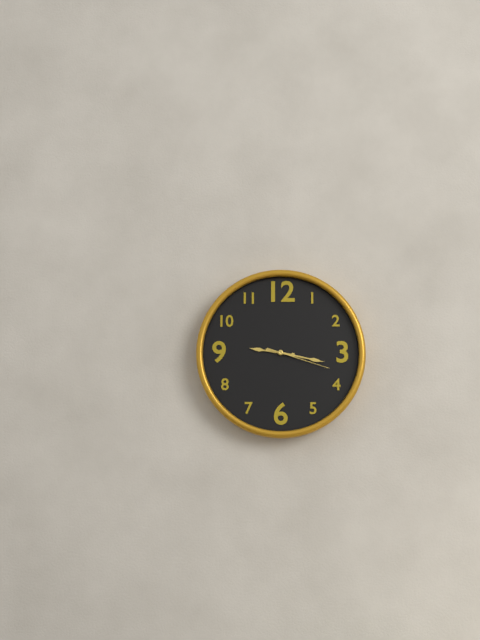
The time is 9h17m18s
